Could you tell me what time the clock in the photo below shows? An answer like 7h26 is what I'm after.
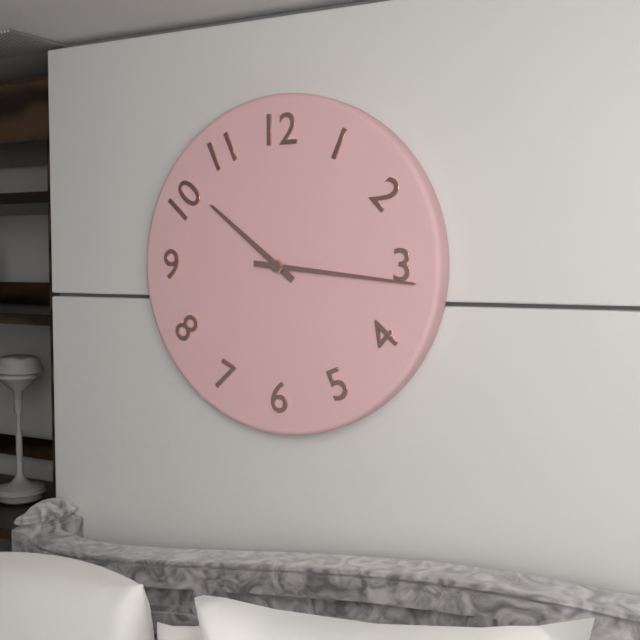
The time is 10h16
